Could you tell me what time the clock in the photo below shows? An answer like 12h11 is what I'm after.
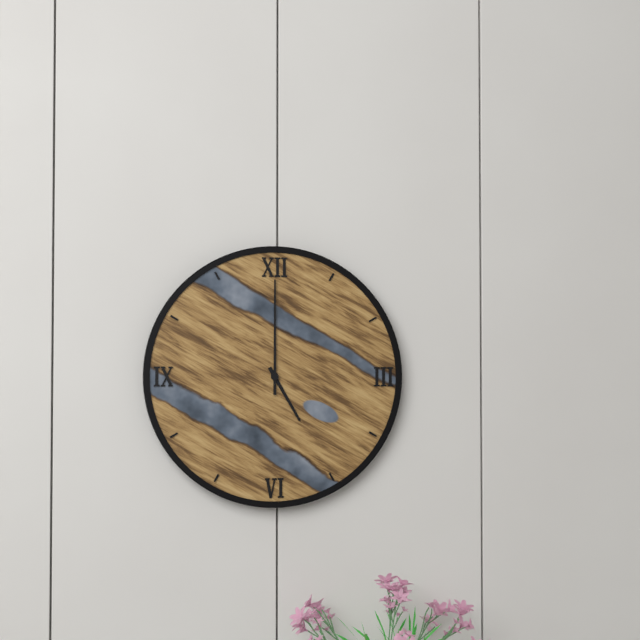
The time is 5h00
